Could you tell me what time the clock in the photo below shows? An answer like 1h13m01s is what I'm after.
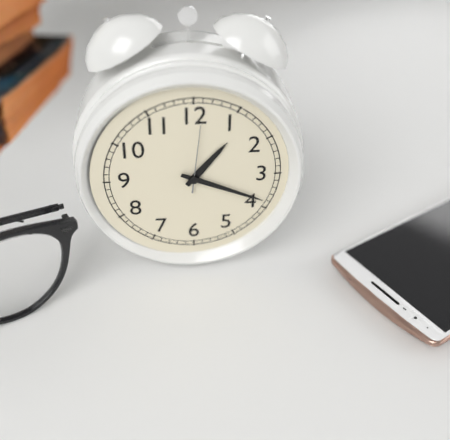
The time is 1h19m01s
